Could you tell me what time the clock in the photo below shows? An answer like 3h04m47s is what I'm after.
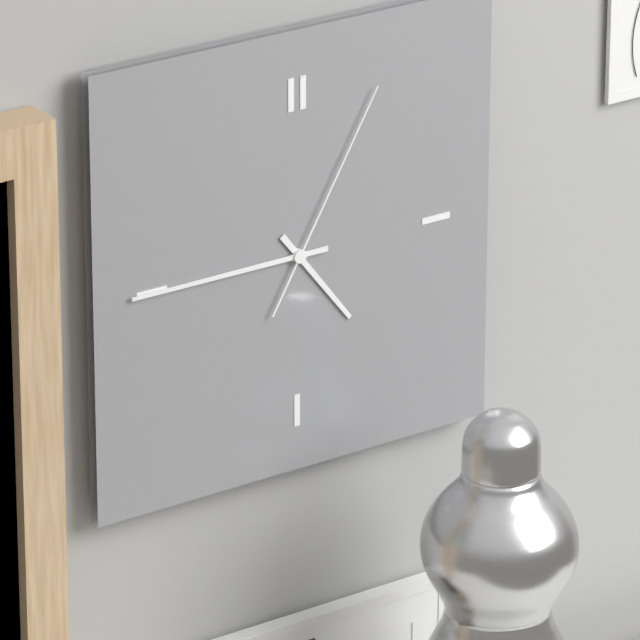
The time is 4h45m05s
